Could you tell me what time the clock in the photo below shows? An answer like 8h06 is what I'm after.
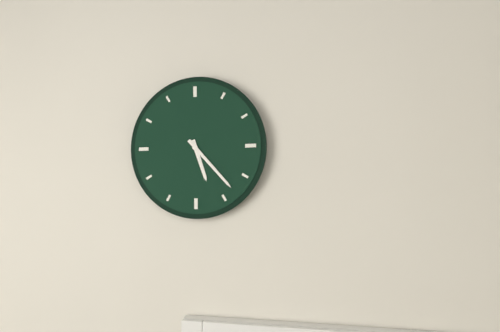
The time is 5h23
